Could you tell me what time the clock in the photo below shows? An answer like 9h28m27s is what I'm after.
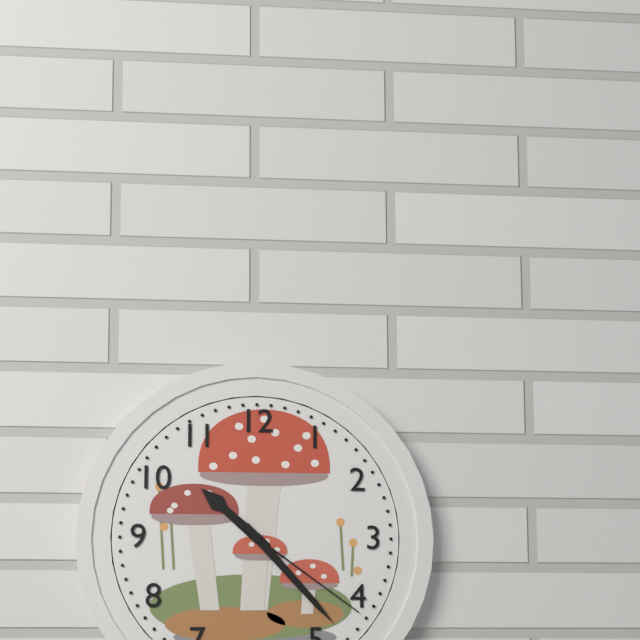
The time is 10h23m21s
